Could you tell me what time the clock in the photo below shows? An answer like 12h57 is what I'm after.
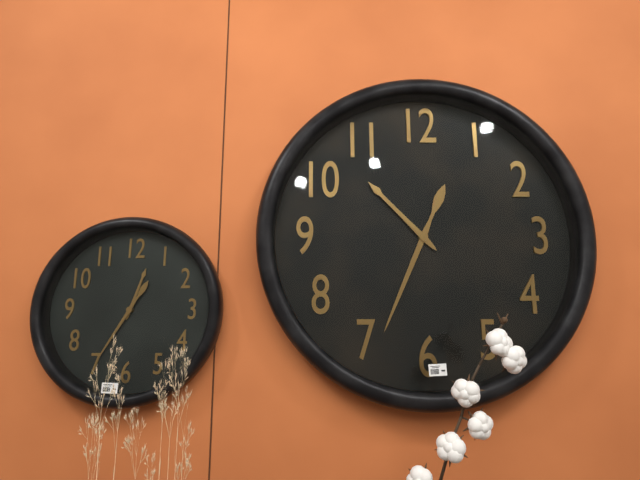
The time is 10h34
